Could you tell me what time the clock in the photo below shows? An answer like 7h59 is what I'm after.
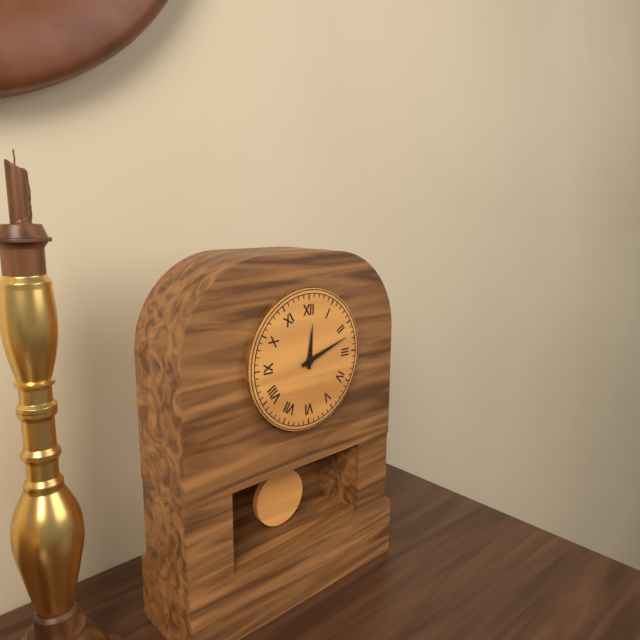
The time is 12h12
